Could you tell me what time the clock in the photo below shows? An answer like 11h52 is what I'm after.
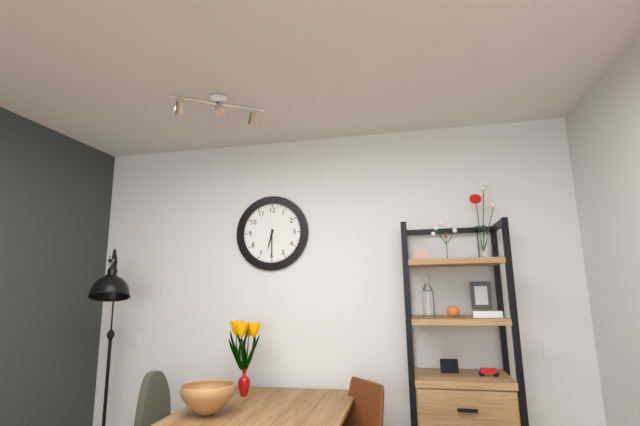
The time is 6h30
